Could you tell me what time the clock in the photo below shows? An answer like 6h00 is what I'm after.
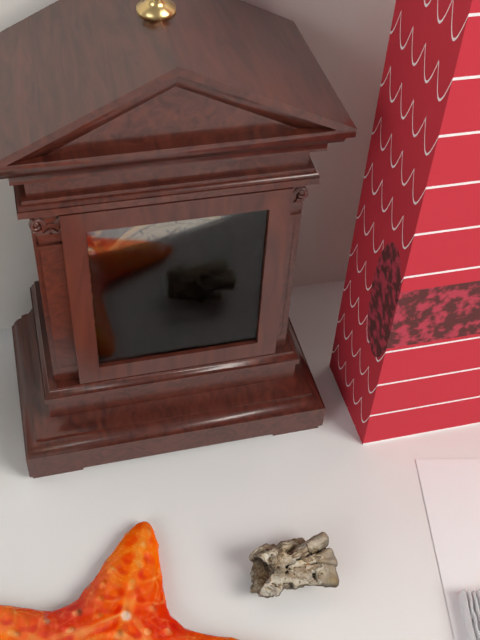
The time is 8h12
